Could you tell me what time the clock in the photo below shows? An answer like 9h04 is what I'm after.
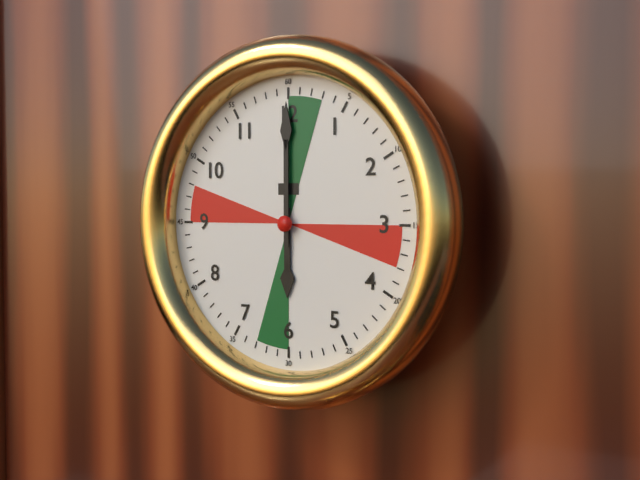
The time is 6h00
